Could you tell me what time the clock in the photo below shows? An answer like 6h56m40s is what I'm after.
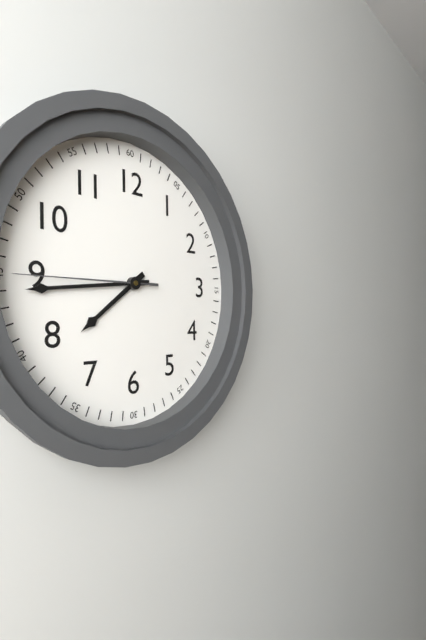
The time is 7h44m45s
